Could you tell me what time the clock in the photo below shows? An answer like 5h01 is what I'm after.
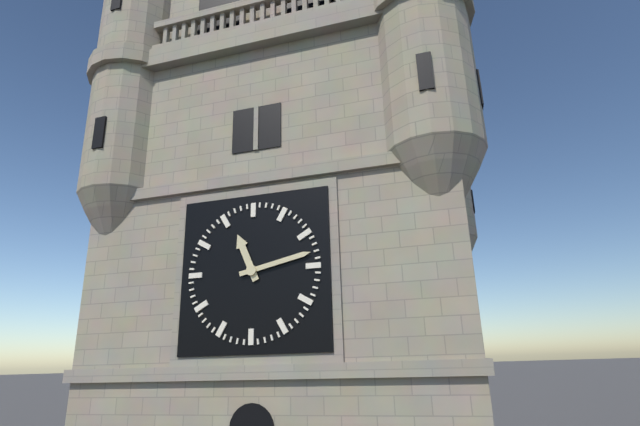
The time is 11h13
